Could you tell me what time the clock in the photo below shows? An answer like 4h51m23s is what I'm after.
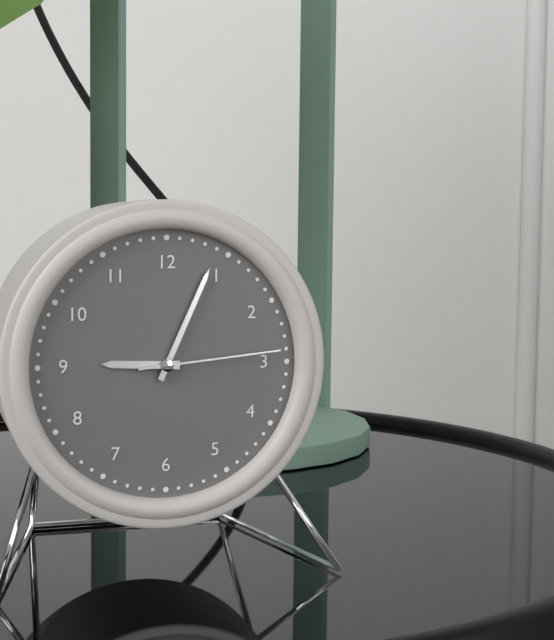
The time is 9h04m14s
